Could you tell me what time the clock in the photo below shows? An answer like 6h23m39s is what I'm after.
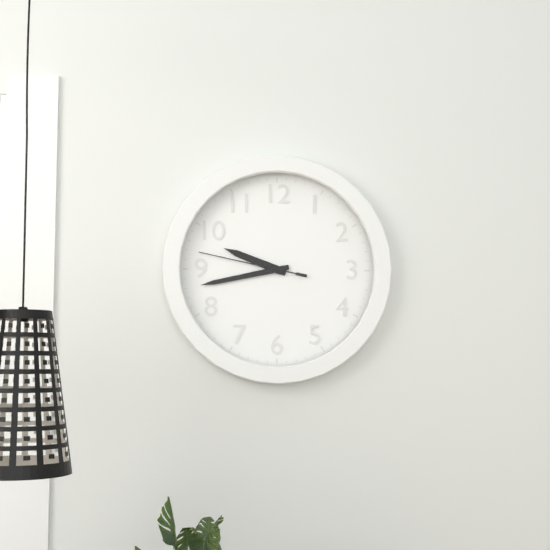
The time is 9h43m47s
